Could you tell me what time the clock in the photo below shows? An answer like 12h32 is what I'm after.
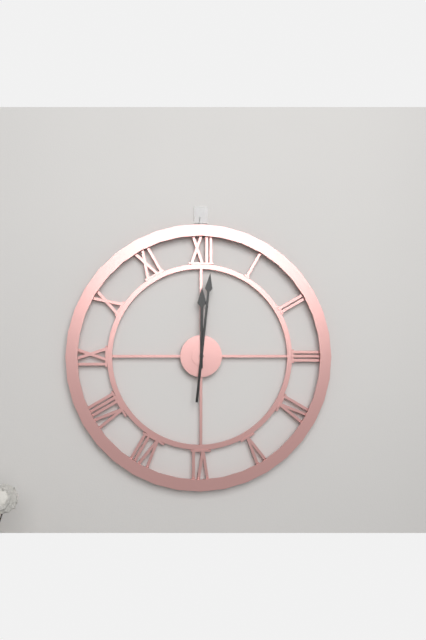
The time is 12h01
